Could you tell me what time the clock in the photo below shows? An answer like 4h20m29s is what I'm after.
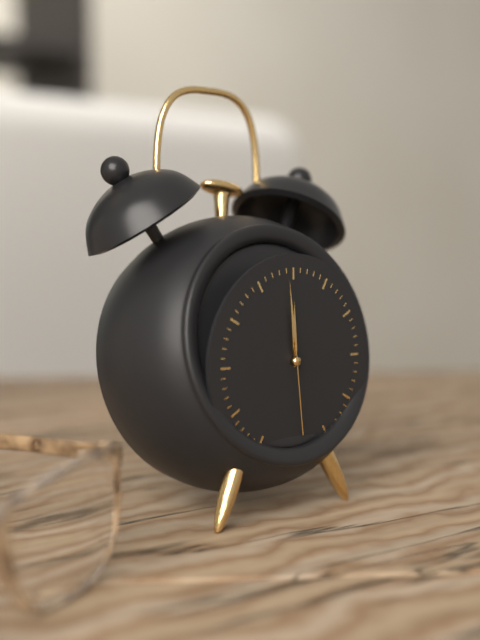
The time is 11h59m29s
